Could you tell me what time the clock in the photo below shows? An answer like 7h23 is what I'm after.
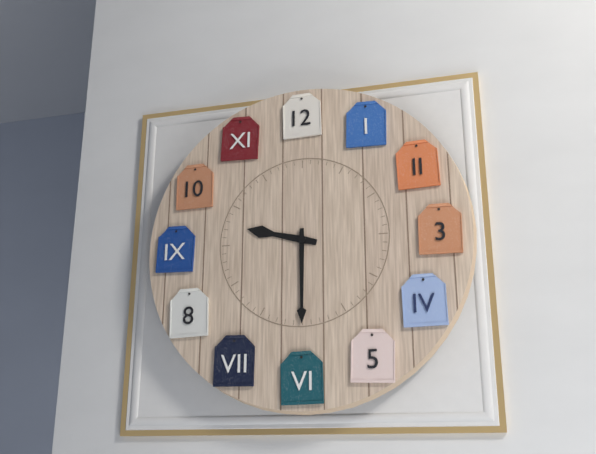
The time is 9h30
